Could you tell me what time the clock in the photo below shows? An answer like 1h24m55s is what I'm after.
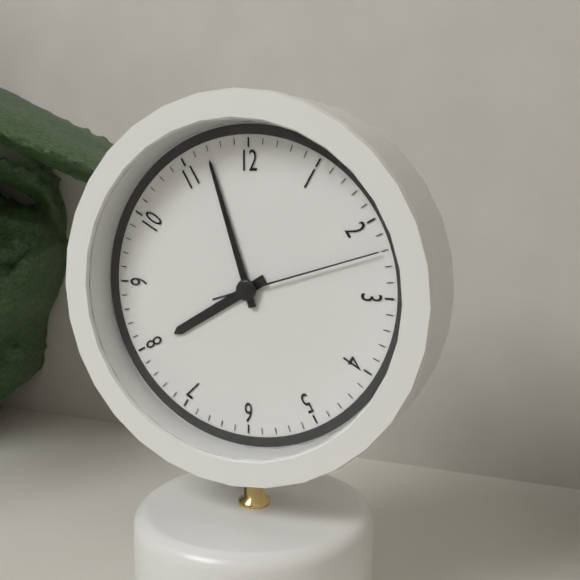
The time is 7h57m12s
